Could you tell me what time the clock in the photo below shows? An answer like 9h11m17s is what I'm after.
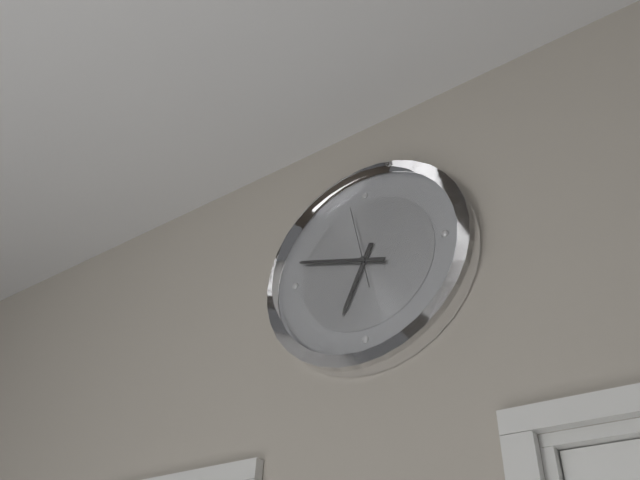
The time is 6h48m58s
